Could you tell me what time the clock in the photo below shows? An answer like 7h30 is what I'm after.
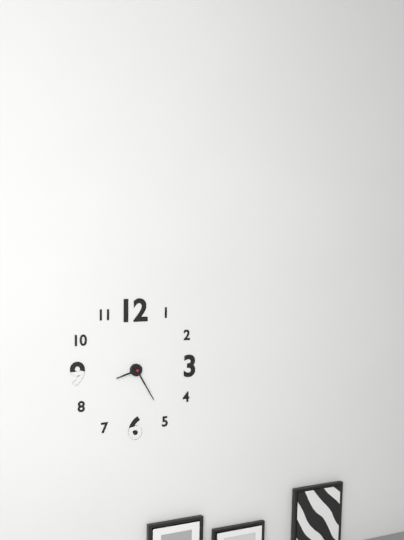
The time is 8h25
